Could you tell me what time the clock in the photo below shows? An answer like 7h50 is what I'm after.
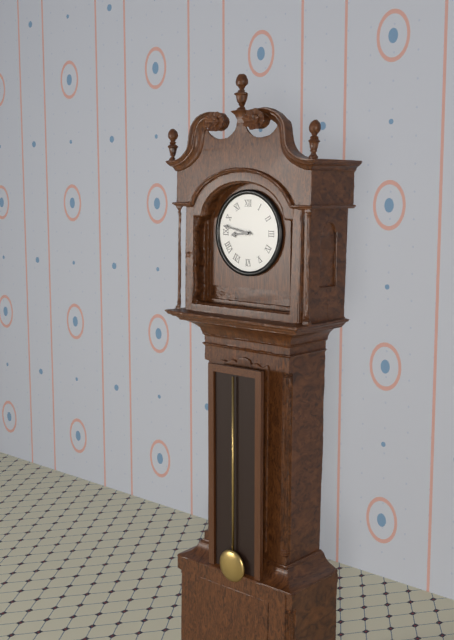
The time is 8h47
